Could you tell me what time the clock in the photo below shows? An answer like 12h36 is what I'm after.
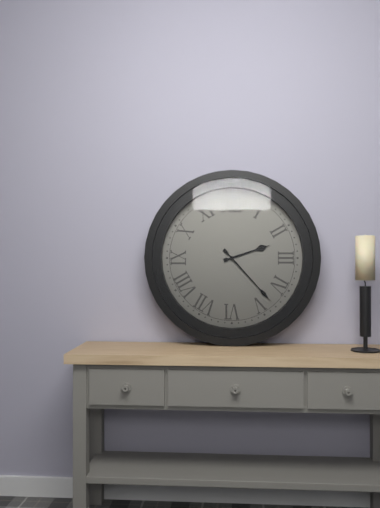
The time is 2h23
